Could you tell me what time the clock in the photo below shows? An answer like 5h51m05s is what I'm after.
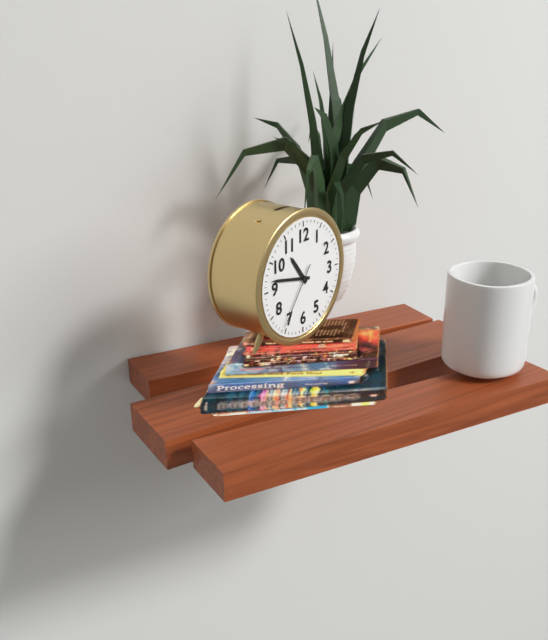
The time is 10h47m36s
